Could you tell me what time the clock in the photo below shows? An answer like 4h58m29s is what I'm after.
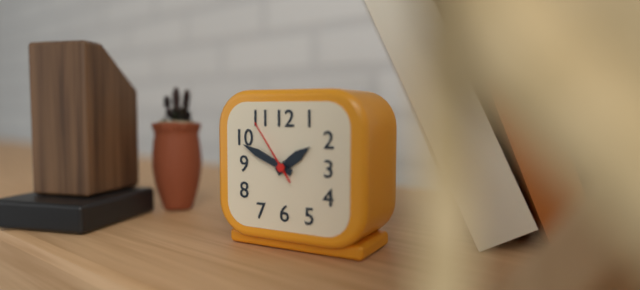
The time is 1h49m54s
